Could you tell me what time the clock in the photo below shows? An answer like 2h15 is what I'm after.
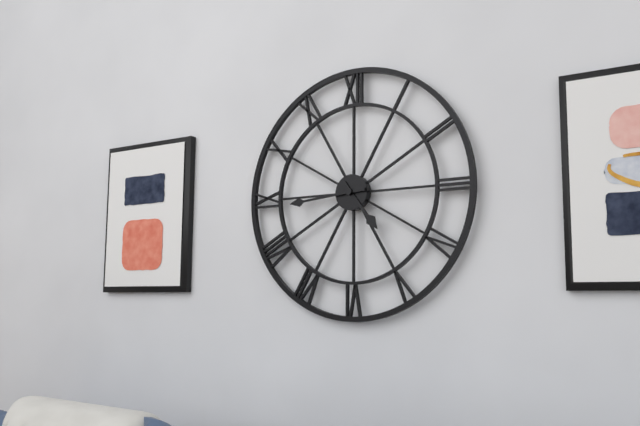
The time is 4h44
